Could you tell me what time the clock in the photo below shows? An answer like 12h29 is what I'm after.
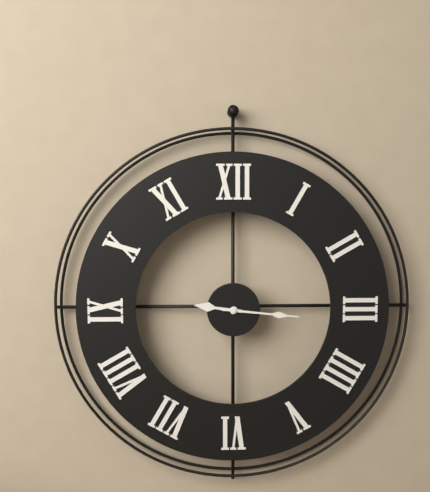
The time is 9h16
